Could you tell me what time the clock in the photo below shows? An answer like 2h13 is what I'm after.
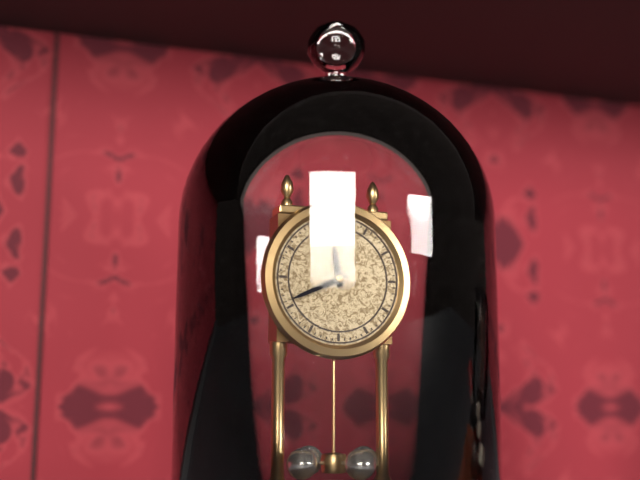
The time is 11h41
